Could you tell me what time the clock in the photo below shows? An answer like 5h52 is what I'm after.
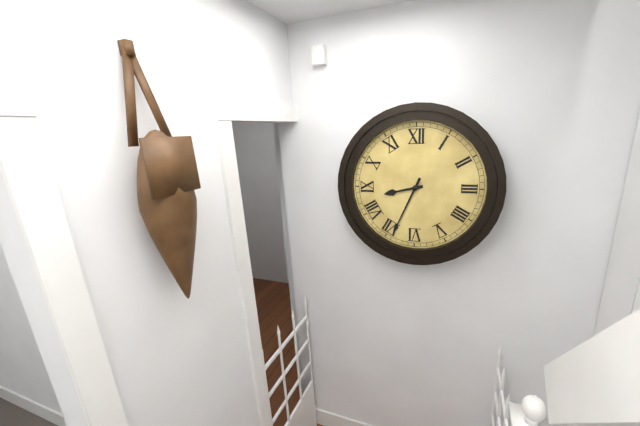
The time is 8h34
